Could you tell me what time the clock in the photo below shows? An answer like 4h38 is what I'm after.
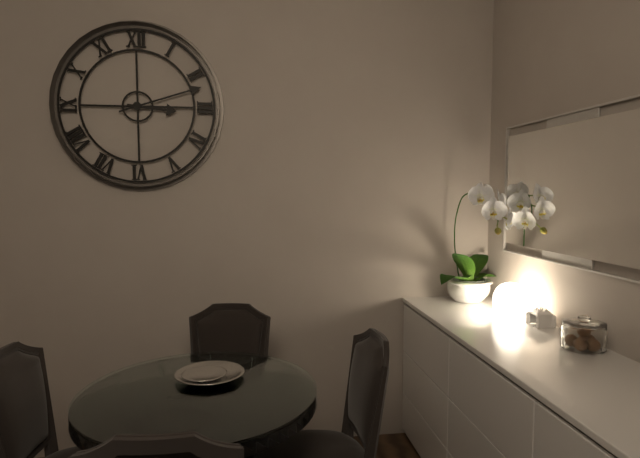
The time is 3h12
